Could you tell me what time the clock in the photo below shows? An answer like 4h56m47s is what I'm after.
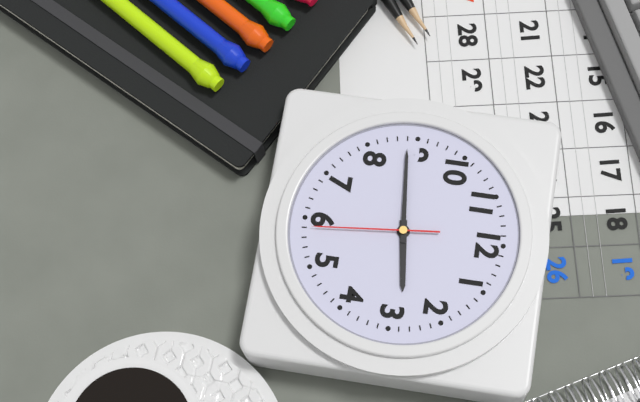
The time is 2h44m29s
